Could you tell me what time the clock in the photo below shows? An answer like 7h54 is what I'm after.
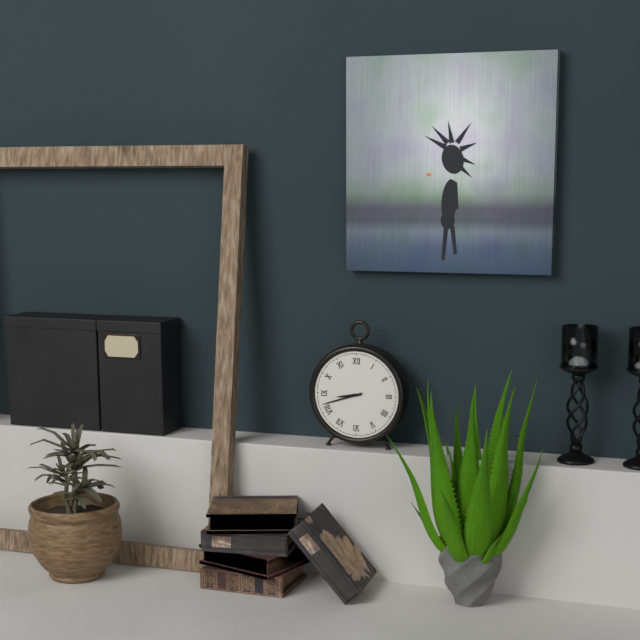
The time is 8h42
